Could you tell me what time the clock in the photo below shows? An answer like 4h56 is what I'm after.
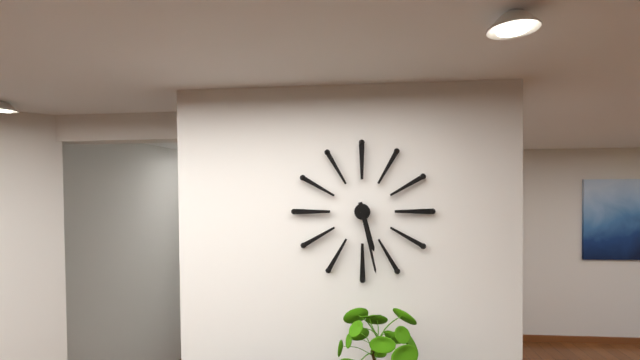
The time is 5h28
